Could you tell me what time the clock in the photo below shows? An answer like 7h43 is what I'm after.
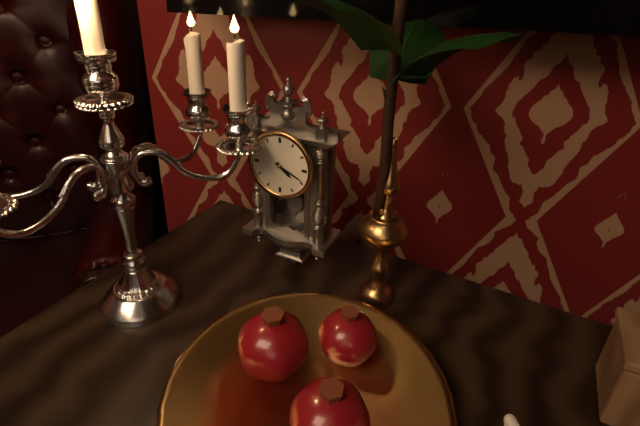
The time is 4h19
